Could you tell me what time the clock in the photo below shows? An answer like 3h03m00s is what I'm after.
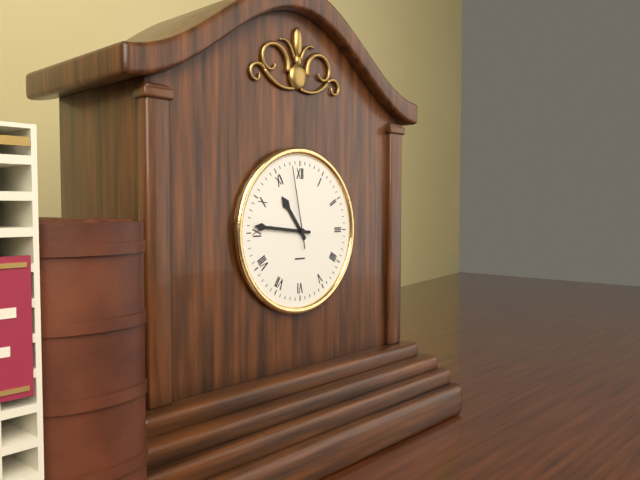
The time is 10h46m58s
